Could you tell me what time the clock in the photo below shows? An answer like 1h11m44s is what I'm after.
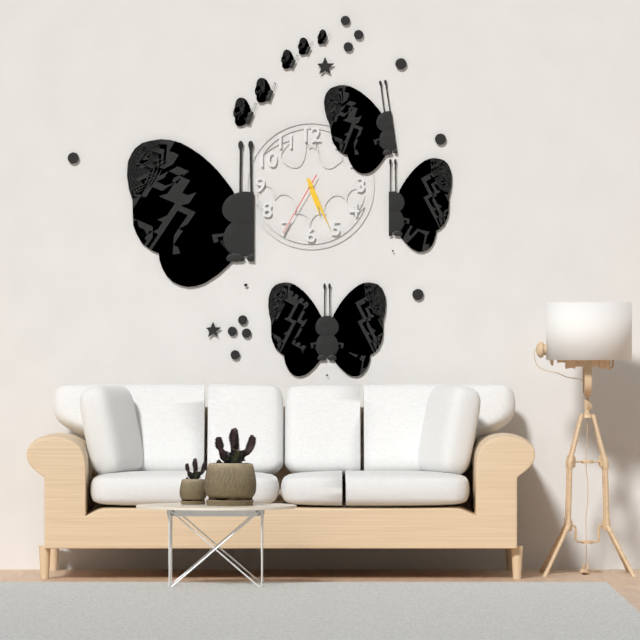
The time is 5h26m35s
